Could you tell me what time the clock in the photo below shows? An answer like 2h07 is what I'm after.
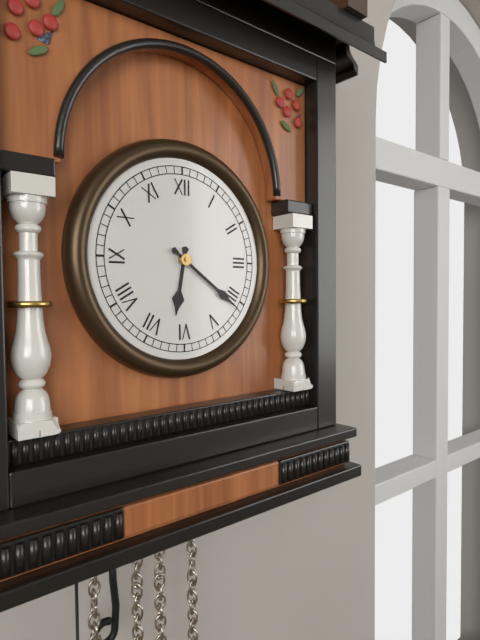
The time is 6h21
